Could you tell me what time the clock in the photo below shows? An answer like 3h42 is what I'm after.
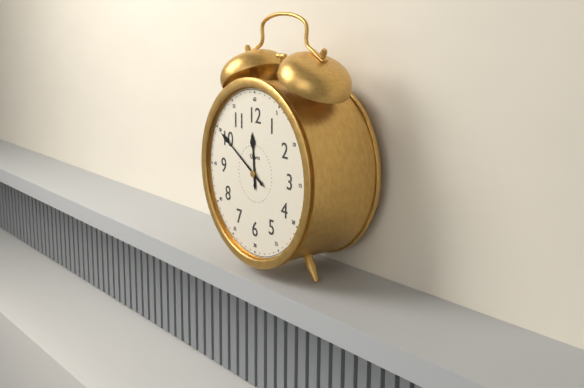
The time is 11h50
